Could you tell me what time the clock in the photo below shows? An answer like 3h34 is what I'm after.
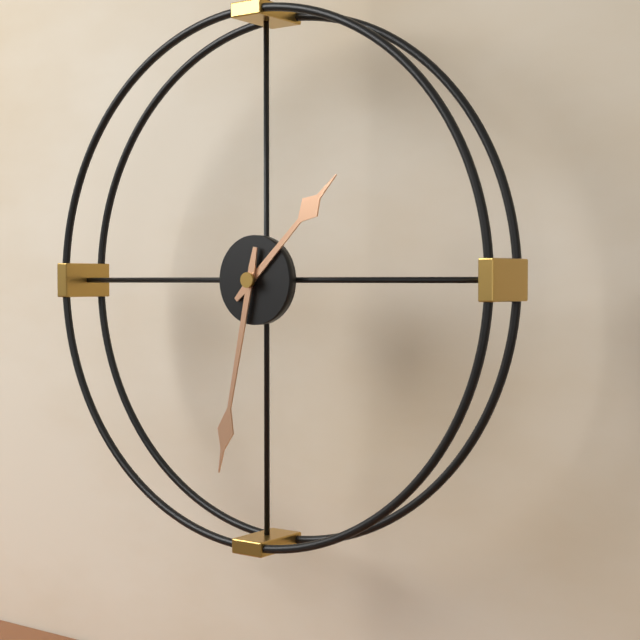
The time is 1h32
